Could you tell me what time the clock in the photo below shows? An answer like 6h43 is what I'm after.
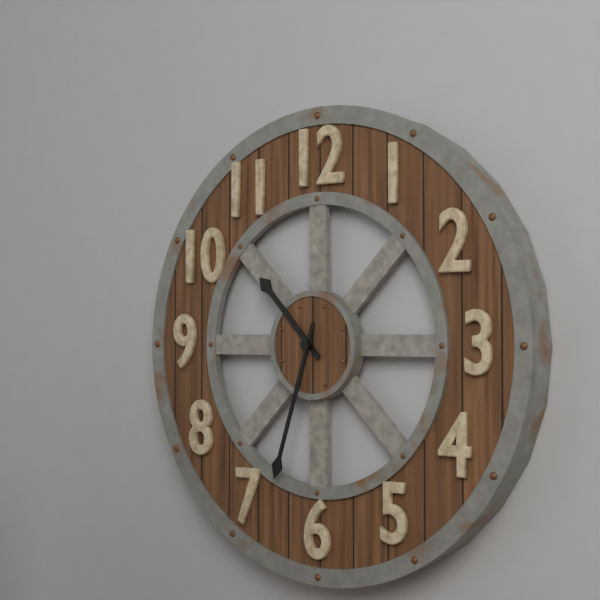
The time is 10h33
